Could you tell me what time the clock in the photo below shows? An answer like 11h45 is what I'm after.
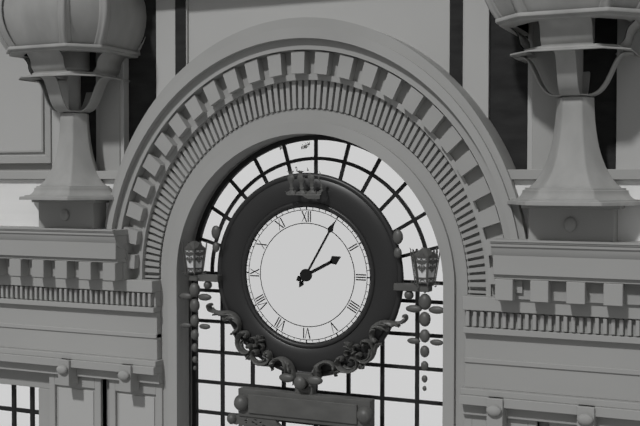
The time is 2h05
